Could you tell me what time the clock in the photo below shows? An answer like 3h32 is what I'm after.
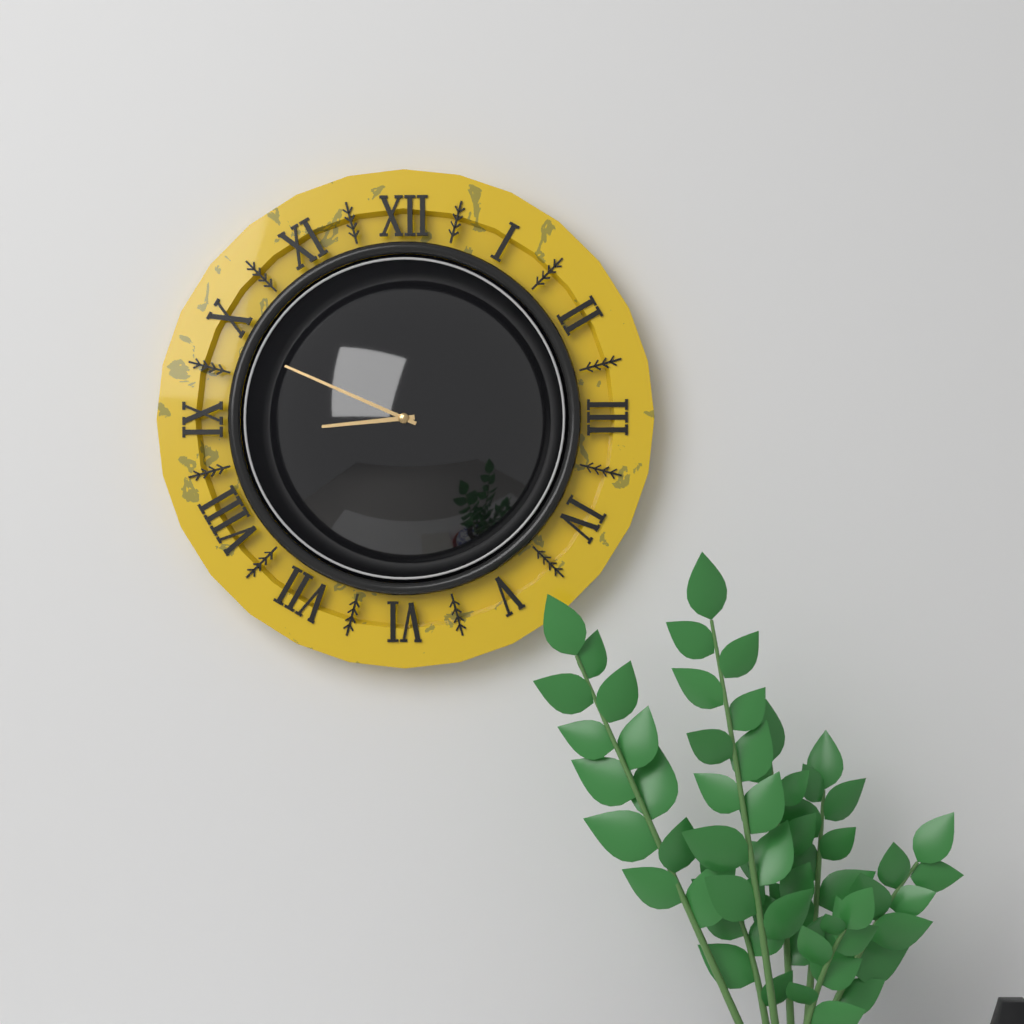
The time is 8h49
